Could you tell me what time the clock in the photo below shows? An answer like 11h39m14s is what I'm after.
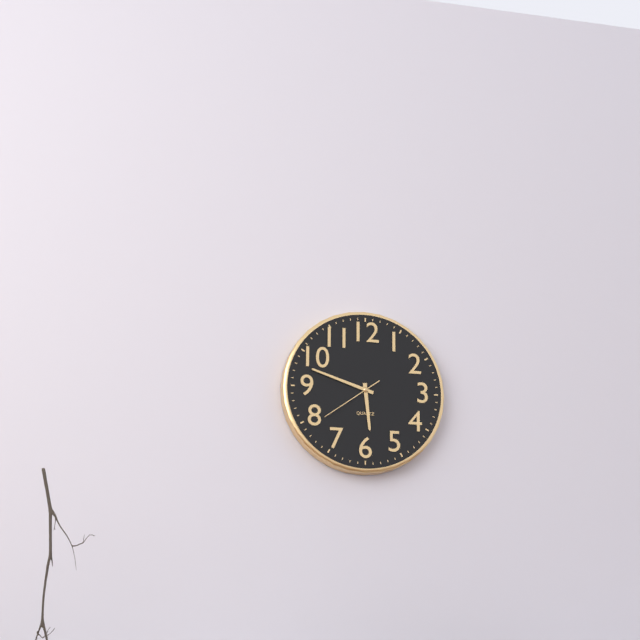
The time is 5h48m39s
